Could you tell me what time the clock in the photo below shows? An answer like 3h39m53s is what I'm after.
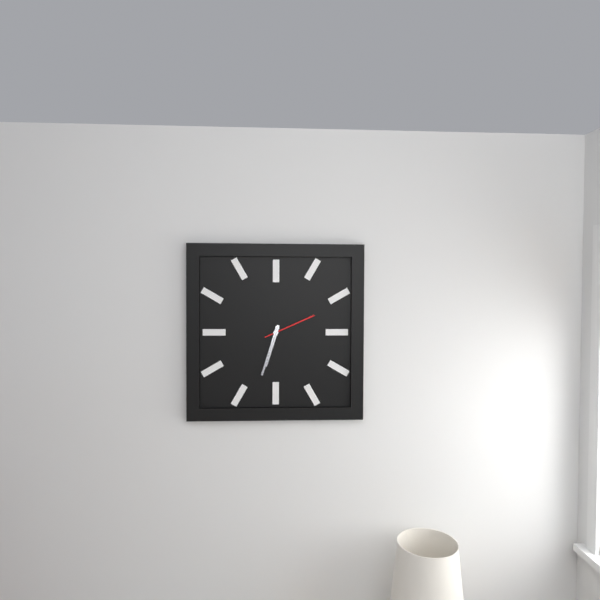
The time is 6h33m11s
